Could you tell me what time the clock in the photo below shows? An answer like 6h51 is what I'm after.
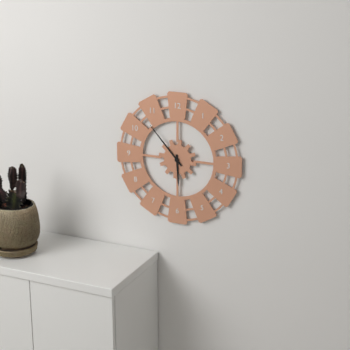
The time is 5h53
